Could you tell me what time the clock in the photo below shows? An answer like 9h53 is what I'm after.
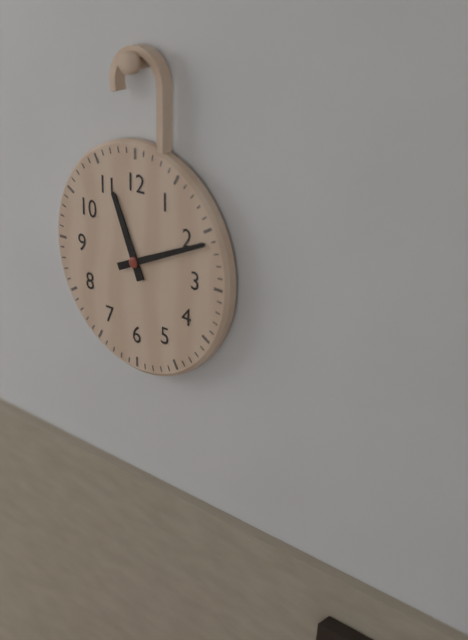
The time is 11h11
